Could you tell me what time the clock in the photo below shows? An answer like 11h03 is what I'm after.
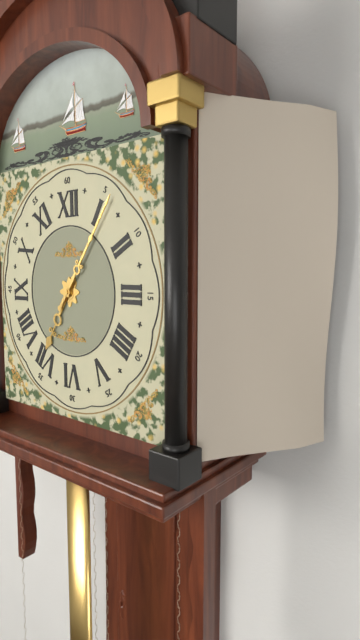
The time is 7h06
